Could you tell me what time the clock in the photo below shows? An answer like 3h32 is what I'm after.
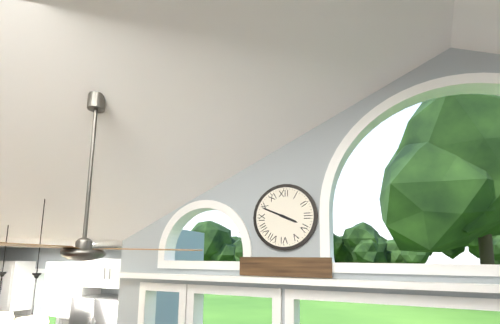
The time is 3h49
